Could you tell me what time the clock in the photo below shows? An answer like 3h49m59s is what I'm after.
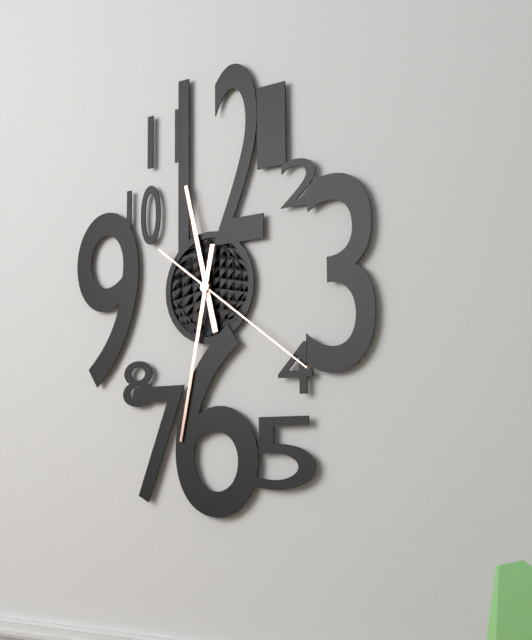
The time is 11h32m21s
